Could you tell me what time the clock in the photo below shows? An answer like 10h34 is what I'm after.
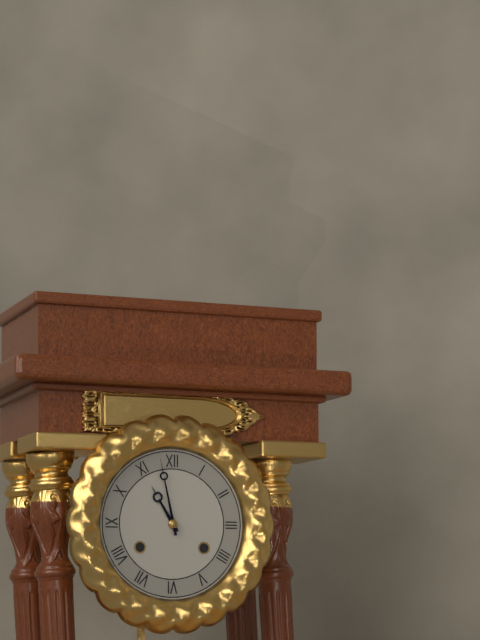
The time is 10h58
